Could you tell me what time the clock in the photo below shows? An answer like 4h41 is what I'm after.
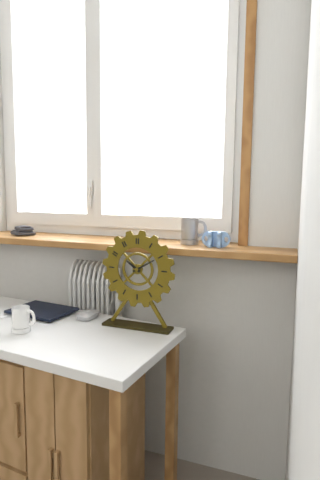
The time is 10h10
